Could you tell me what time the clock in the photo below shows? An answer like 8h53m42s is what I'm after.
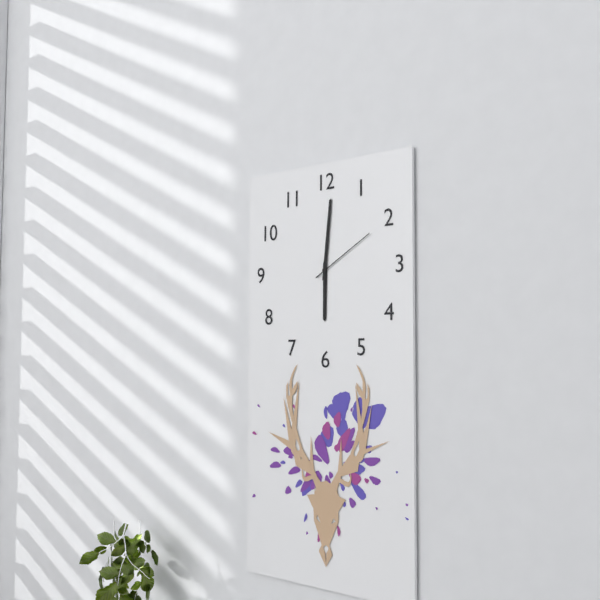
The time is 6h01m10s
